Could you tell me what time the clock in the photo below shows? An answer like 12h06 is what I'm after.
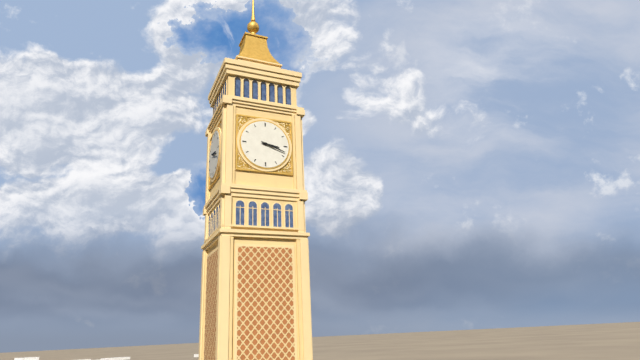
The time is 3h18
